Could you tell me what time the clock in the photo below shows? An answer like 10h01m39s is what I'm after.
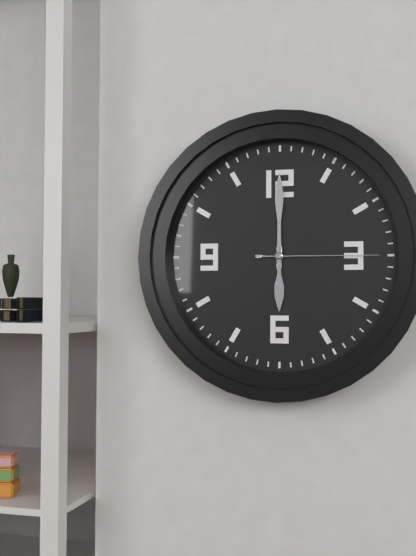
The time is 6h00m15s
